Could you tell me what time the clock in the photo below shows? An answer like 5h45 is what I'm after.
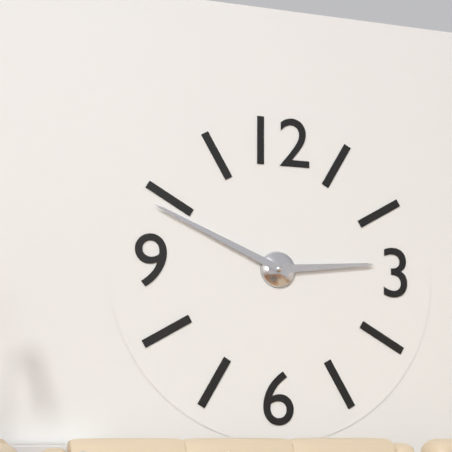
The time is 2h49
